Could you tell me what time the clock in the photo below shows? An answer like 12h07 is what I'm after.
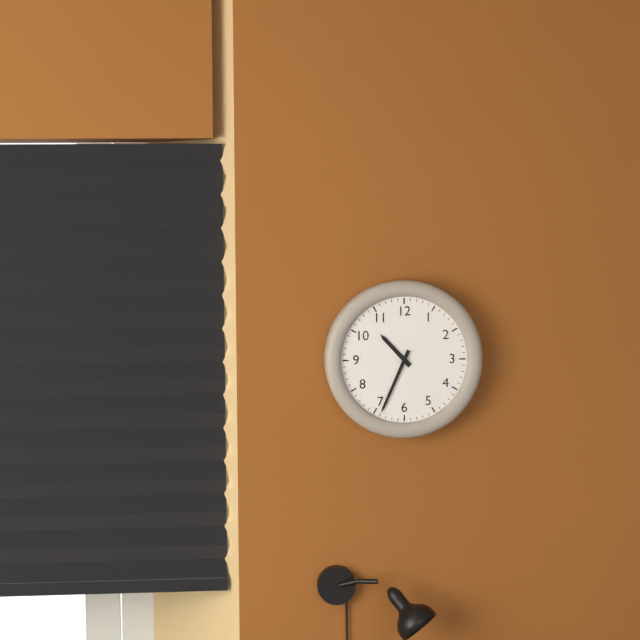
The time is 10h34
